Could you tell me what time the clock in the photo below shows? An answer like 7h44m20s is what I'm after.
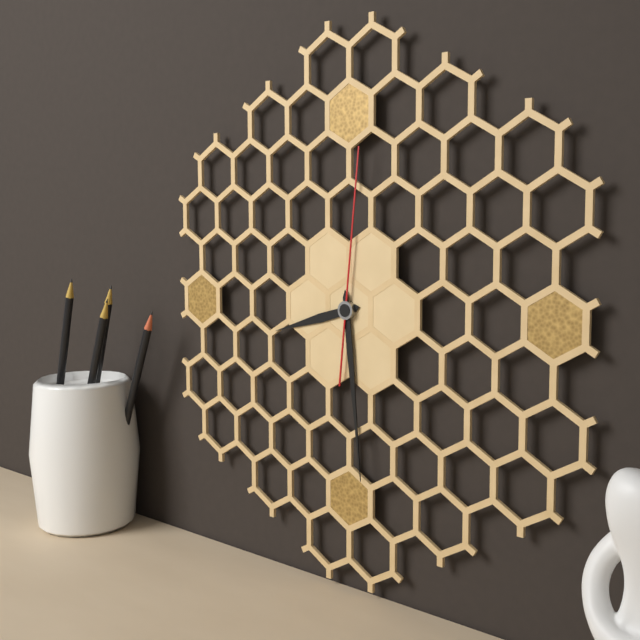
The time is 8h29m01s
